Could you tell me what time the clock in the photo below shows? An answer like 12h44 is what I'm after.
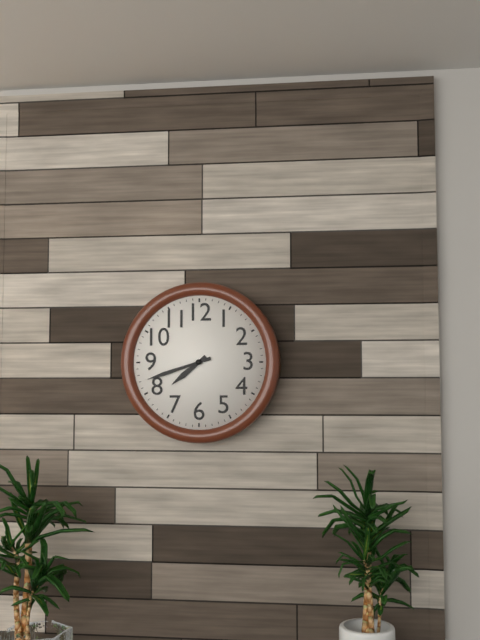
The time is 7h42
